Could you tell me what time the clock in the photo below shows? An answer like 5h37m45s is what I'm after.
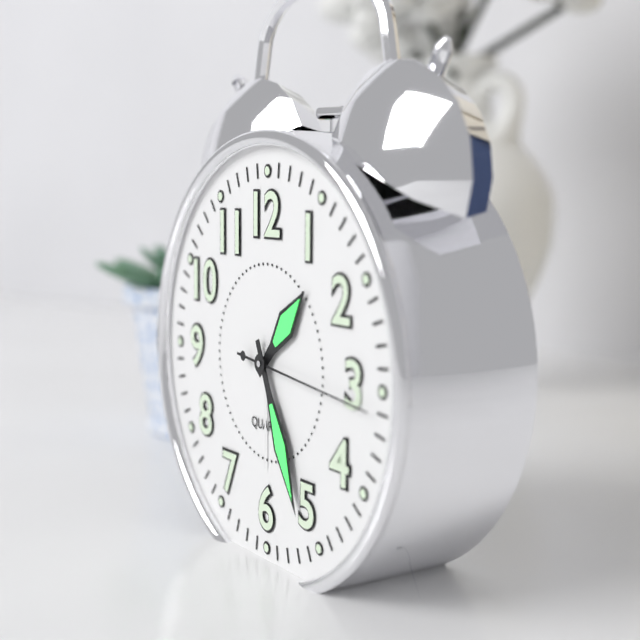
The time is 1h26m16s
